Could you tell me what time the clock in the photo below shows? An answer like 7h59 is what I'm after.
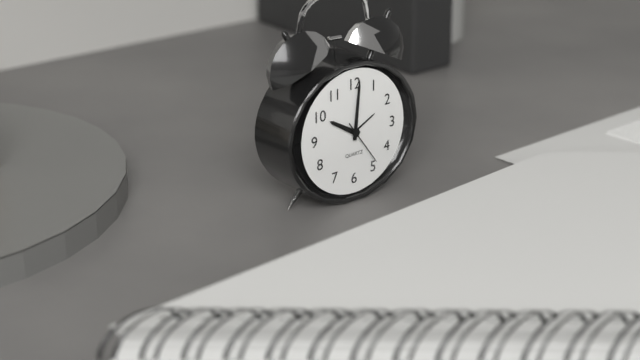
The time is 10h01
